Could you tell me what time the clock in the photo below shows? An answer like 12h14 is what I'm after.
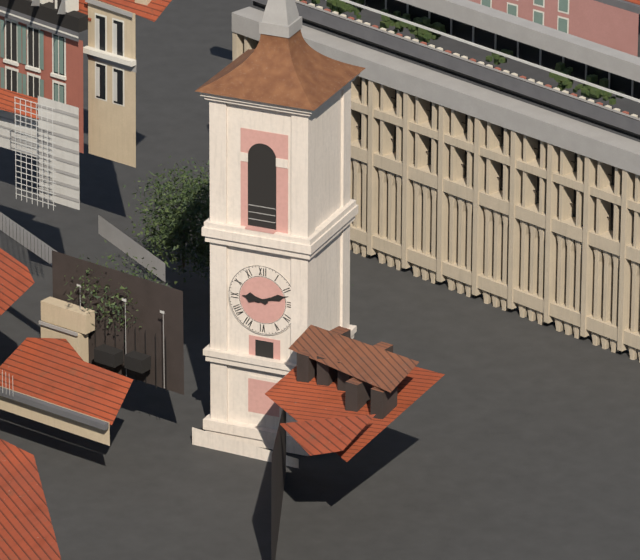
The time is 9h12
